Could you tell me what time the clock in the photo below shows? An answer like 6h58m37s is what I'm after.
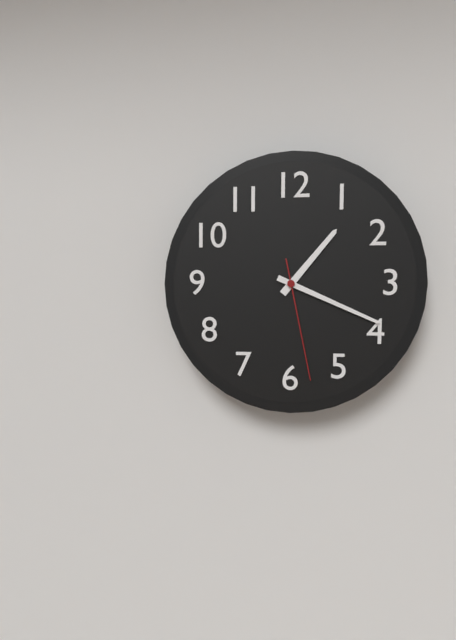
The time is 1h19m28s
